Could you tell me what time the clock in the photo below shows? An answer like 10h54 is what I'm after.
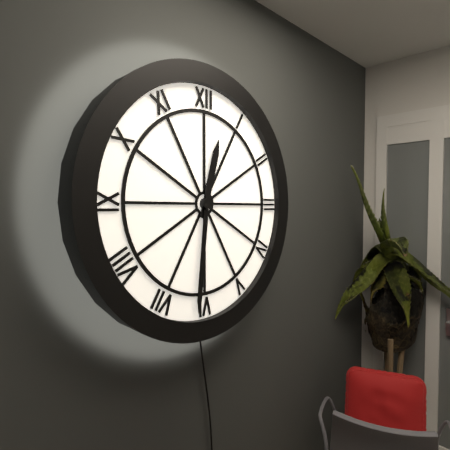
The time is 12h31
